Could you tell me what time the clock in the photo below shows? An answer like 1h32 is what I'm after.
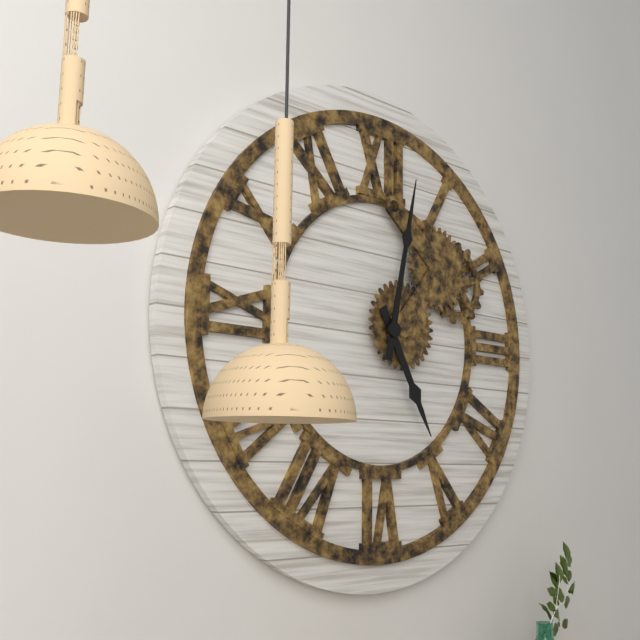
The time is 5h02
